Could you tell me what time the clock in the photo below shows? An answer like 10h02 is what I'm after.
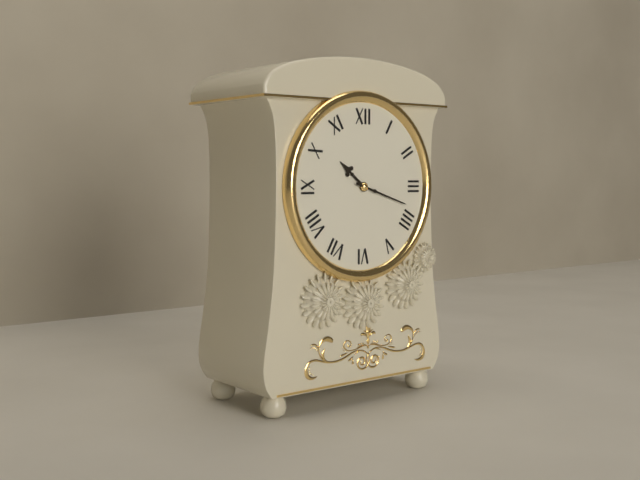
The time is 10h18
